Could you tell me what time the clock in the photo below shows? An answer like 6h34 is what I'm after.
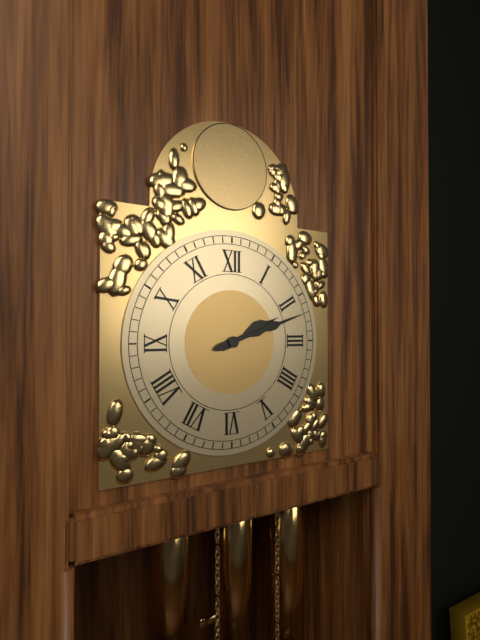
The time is 2h12
